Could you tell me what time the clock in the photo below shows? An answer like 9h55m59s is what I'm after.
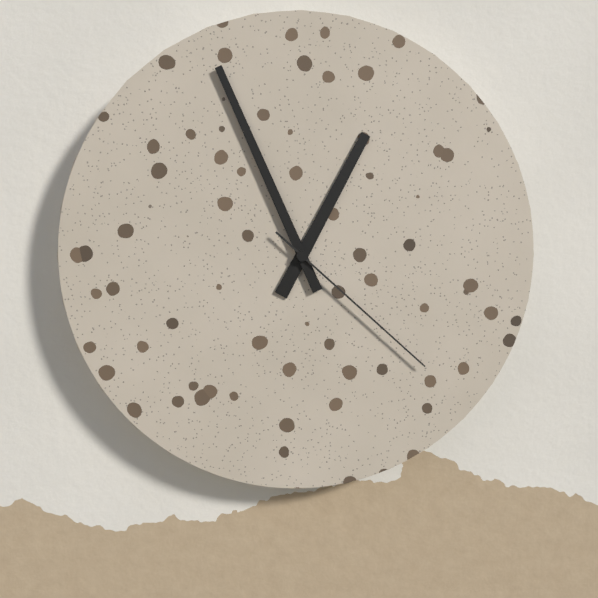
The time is 12h56m22s
